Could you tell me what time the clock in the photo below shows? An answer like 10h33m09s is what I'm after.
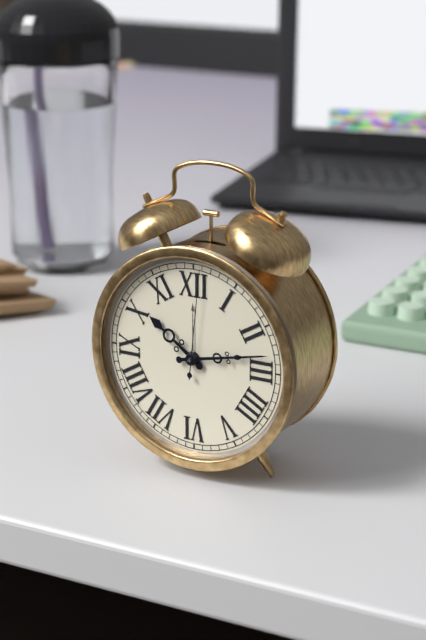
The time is 10h13m01s
